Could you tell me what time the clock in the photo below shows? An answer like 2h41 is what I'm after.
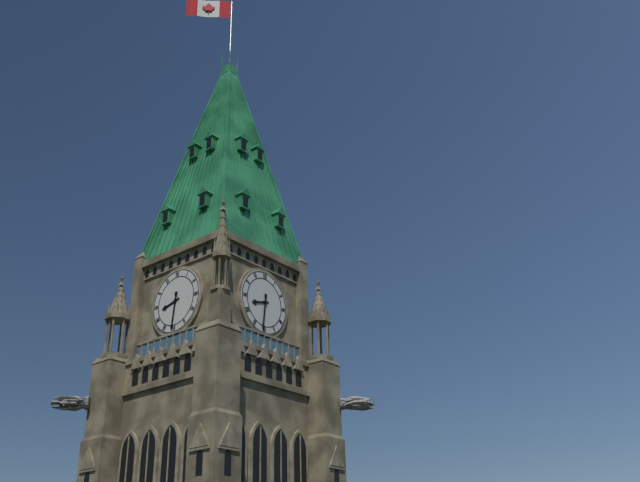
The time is 8h31
